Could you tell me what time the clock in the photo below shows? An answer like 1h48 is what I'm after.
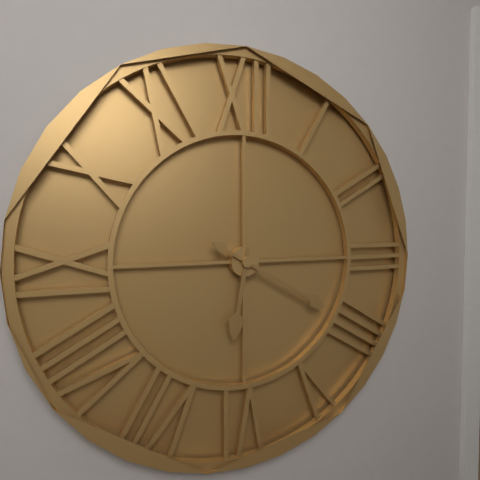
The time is 6h20
